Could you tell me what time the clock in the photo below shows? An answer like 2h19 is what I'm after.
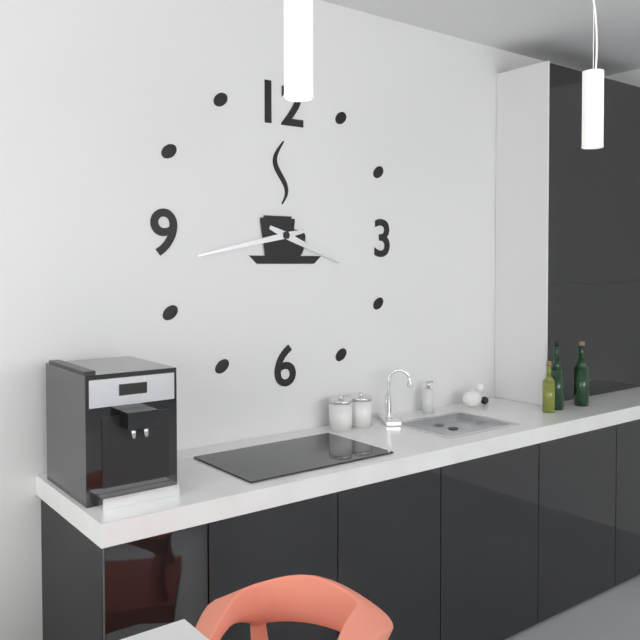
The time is 3h43
